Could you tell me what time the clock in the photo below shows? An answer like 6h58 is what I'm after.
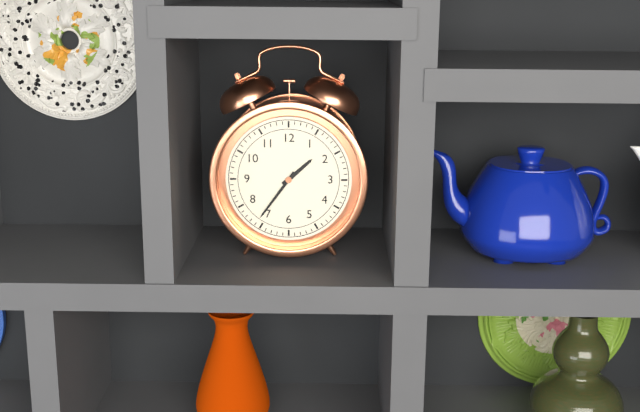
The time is 1h36
